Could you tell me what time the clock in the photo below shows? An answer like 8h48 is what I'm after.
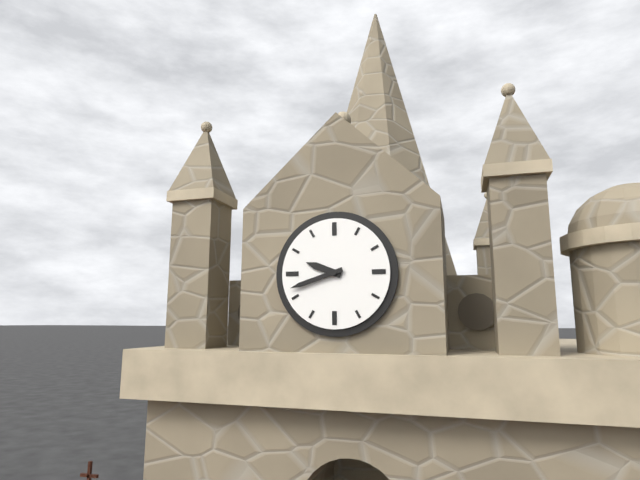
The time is 9h42
